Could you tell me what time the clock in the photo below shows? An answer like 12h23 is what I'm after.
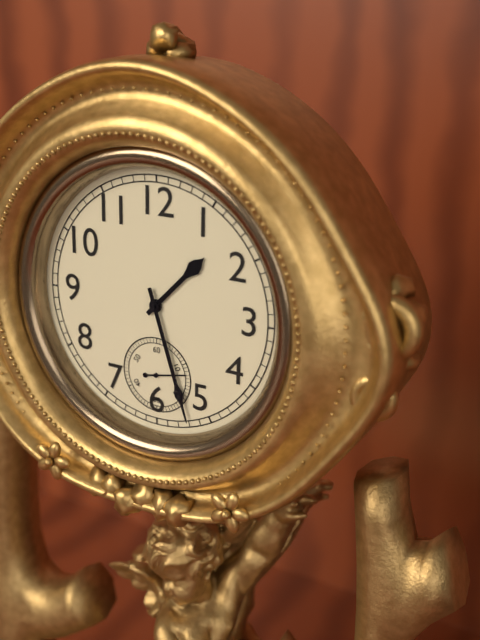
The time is 1h27
